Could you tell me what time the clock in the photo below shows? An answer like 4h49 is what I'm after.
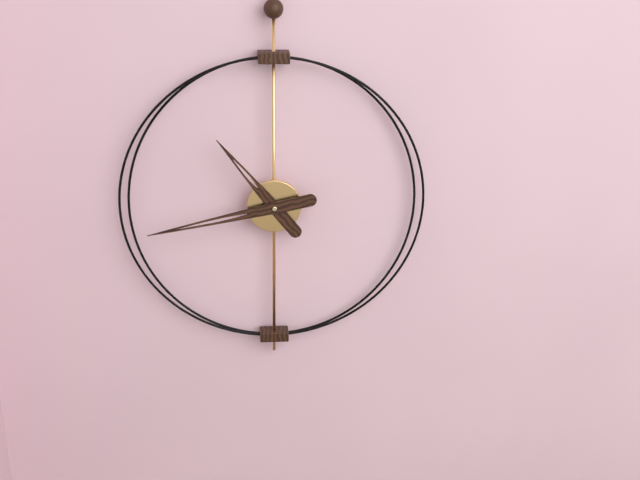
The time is 10h43
